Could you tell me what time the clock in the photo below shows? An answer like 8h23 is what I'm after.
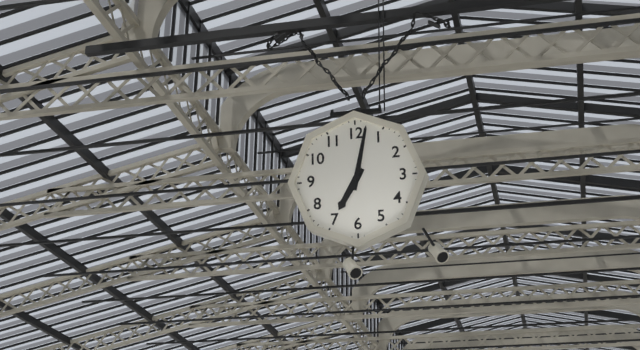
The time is 7h02
